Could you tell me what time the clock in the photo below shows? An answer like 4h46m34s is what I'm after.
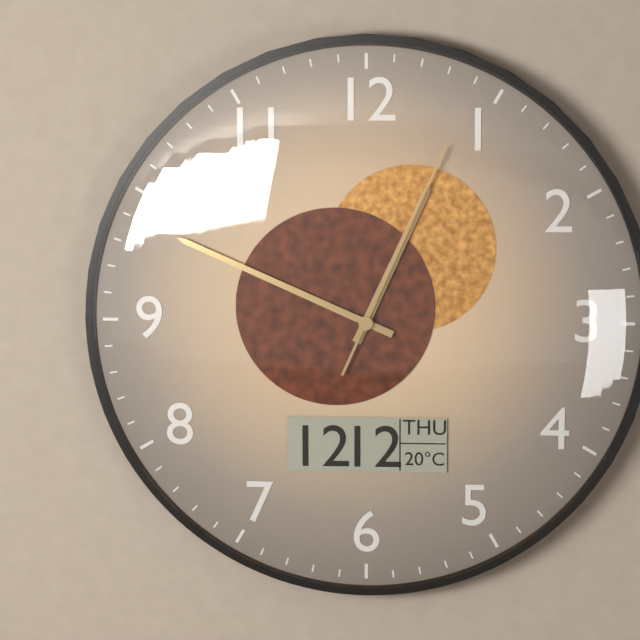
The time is 12h49m04s
